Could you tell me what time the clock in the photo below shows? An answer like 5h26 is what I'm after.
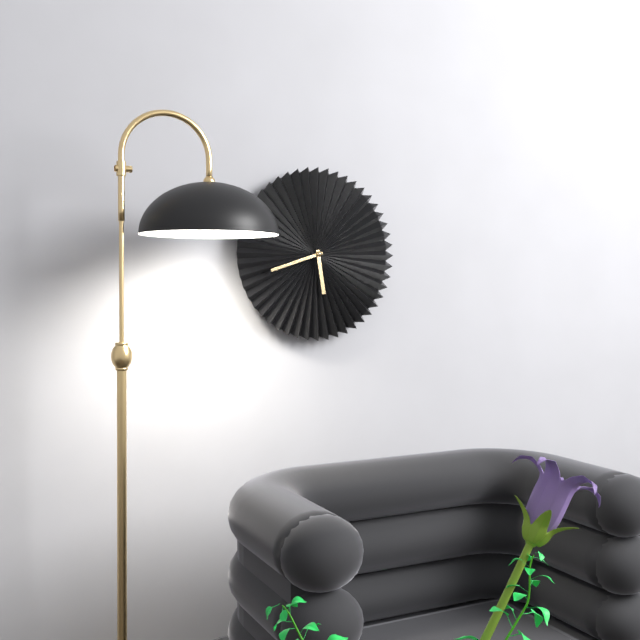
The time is 5h42
